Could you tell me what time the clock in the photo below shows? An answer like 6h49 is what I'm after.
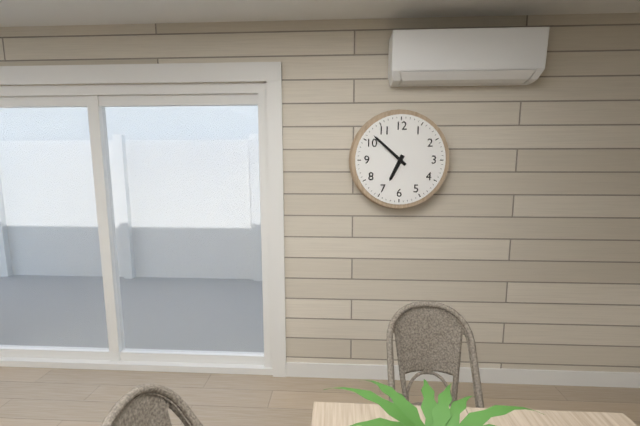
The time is 6h52
